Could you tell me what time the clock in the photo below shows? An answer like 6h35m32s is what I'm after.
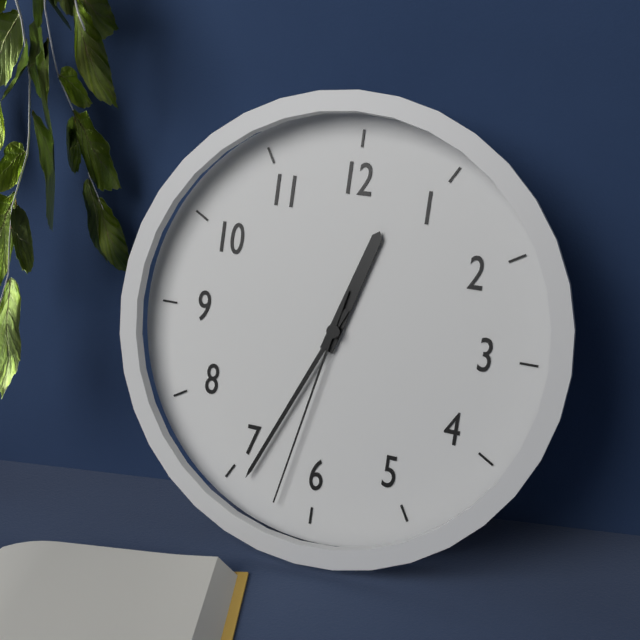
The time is 12h34m32s
